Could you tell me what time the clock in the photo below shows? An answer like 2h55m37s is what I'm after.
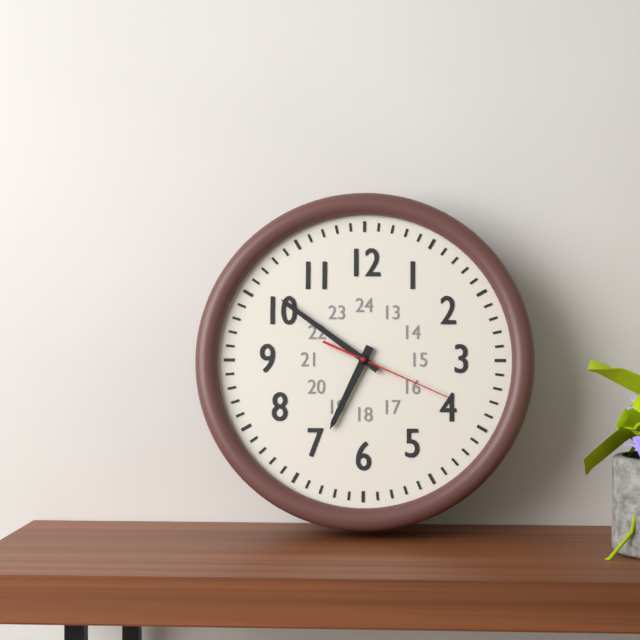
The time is 6h51m19s
